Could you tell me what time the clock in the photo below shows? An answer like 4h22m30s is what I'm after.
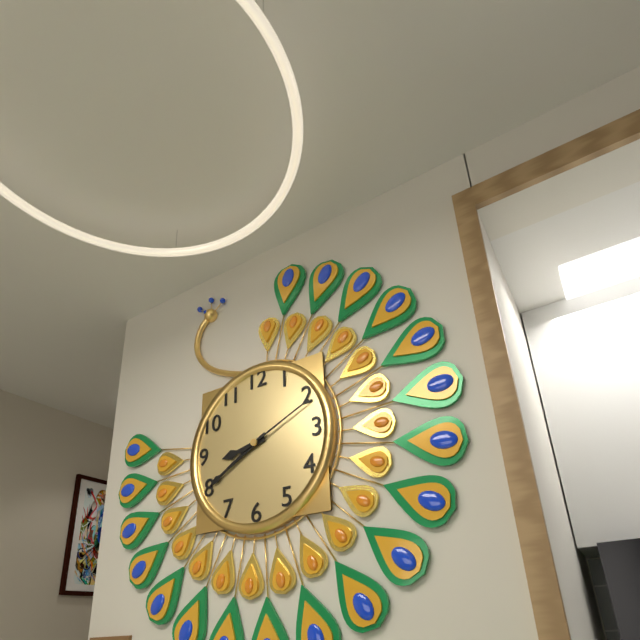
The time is 8h40m11s
